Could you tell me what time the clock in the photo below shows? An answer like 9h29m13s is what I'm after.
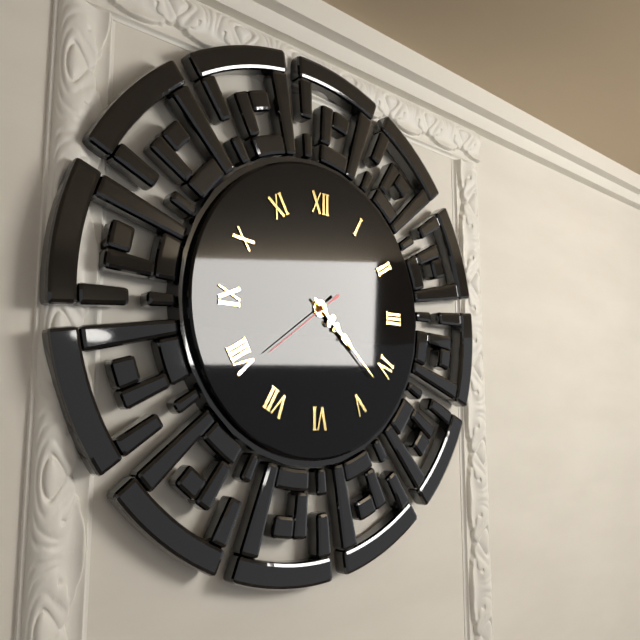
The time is 4h22m39s
